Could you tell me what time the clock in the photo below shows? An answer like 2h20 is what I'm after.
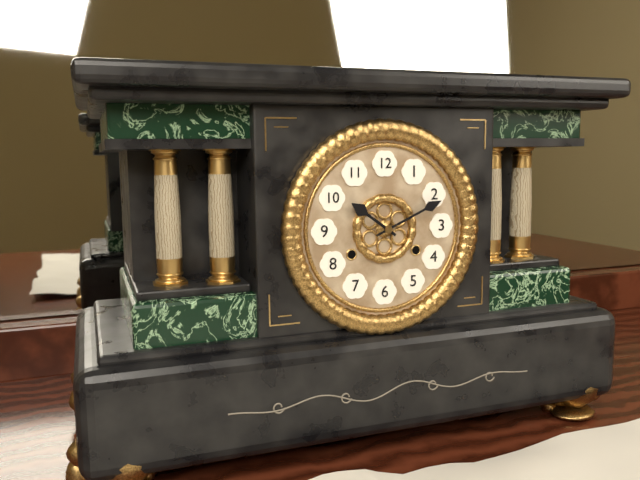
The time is 10h11
